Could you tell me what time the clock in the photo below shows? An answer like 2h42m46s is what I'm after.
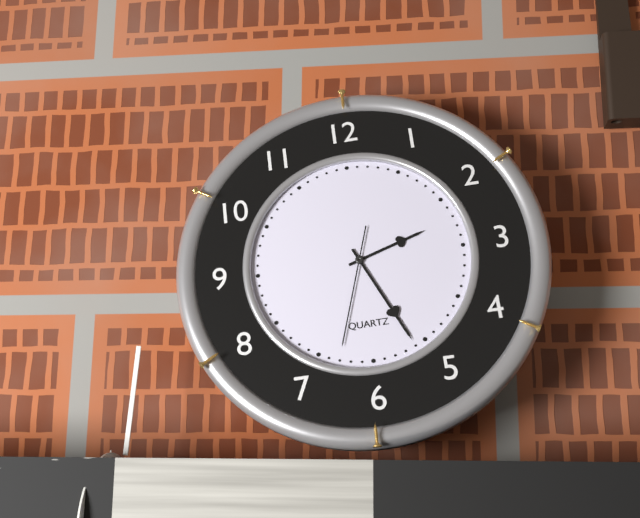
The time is 2h26m33s
